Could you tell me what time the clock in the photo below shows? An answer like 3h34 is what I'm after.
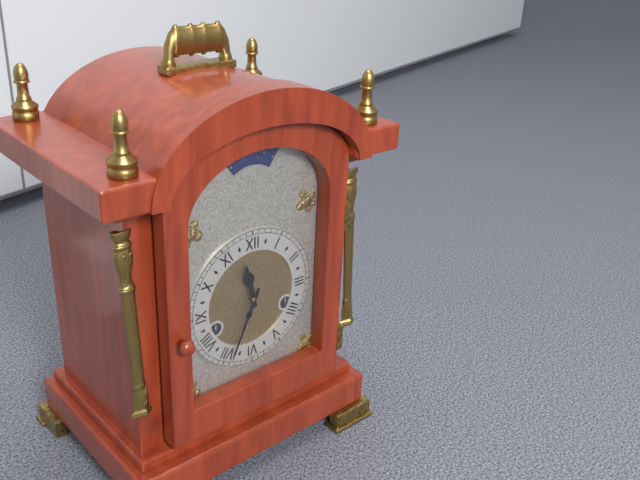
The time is 11h34
